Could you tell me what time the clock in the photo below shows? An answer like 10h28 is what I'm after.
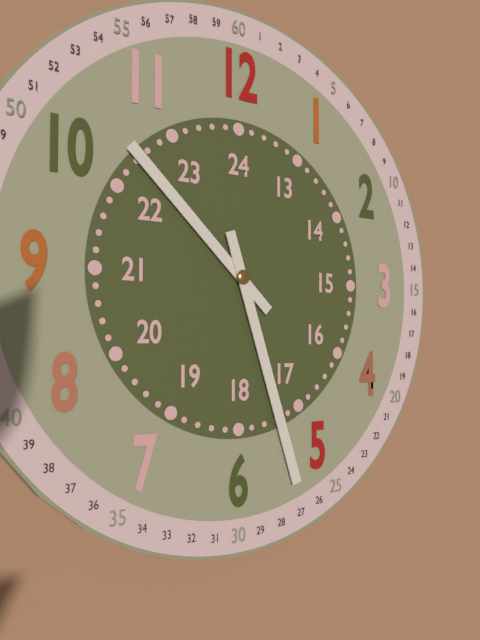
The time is 10h27
